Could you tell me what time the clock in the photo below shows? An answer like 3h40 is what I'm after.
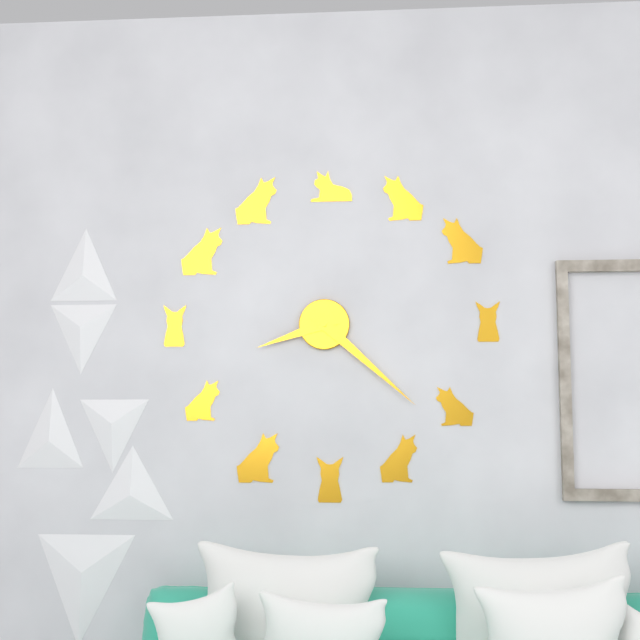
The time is 8h22
